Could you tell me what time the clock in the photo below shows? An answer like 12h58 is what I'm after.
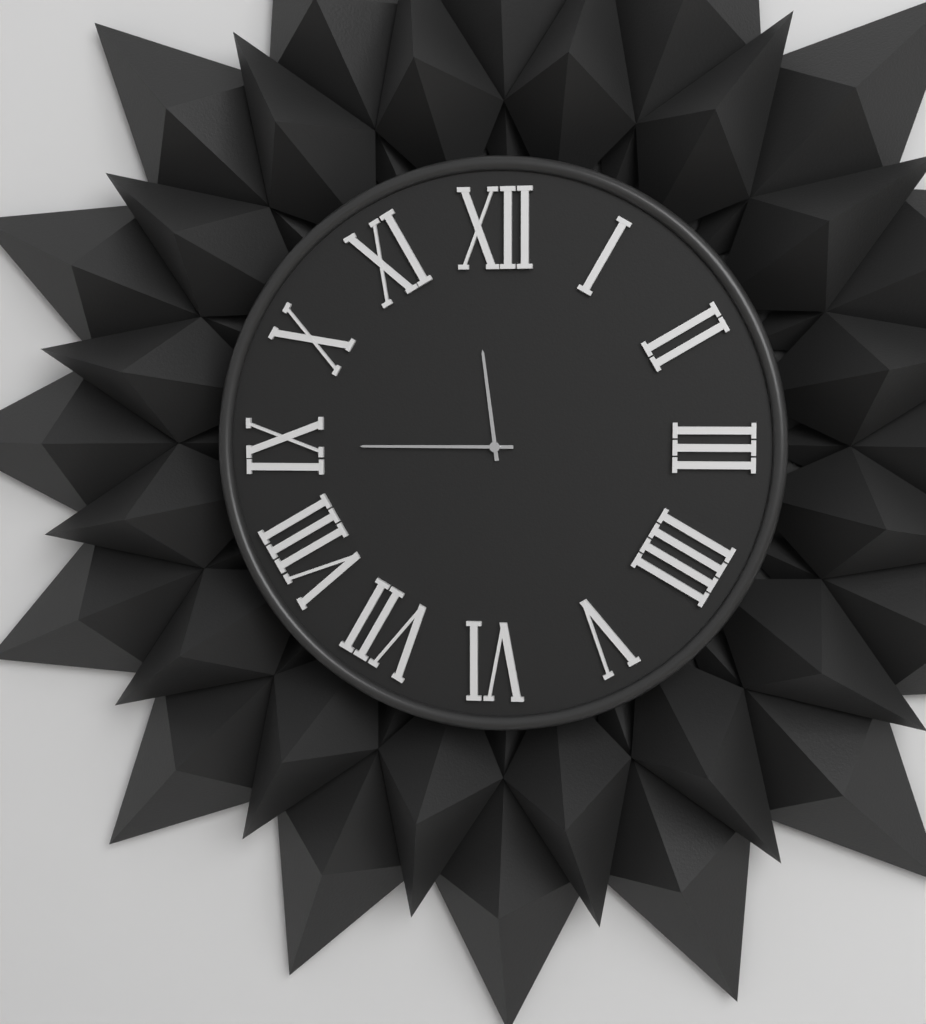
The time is 11h45
